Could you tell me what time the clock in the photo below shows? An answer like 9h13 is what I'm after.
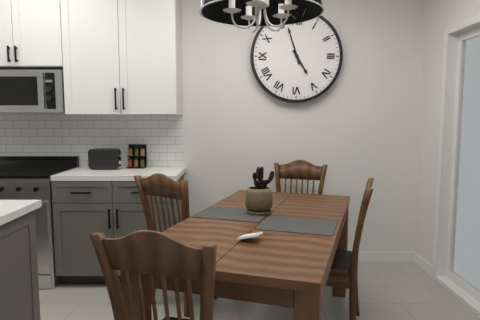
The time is 4h57
